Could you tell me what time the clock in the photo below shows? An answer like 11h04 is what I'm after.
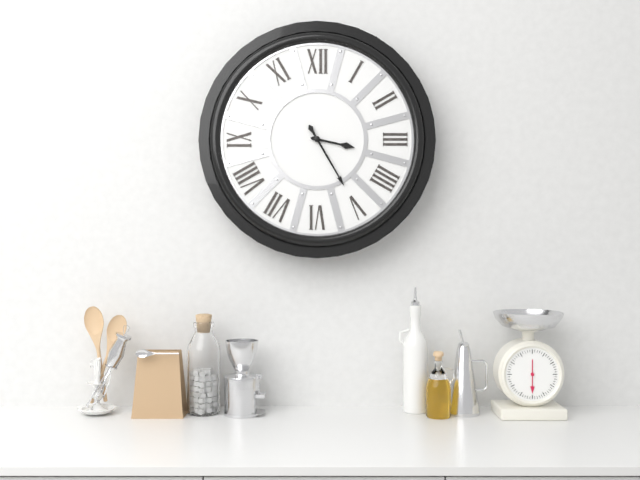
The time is 3h25
